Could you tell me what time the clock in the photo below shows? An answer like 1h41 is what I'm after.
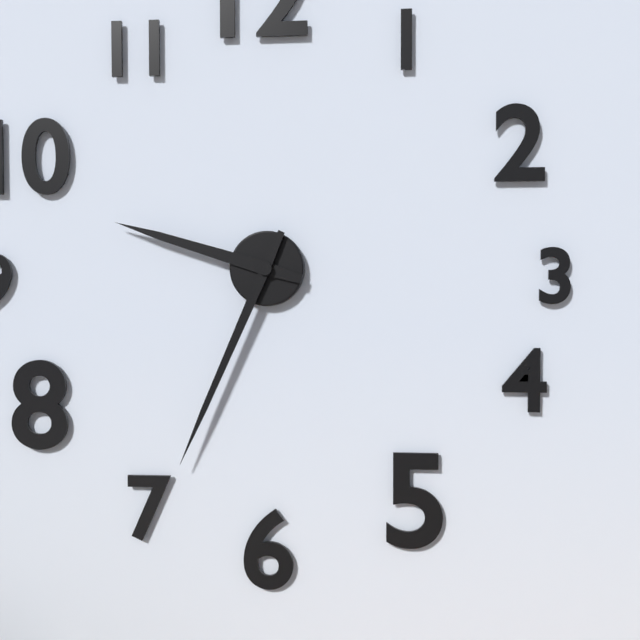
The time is 9h34
